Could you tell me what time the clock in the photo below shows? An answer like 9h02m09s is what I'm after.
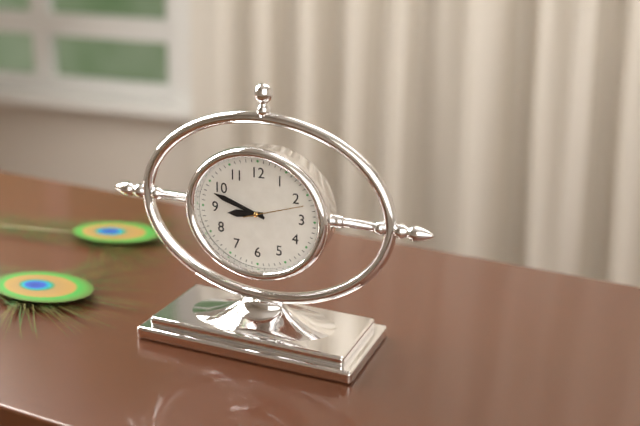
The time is 8h48m12s
